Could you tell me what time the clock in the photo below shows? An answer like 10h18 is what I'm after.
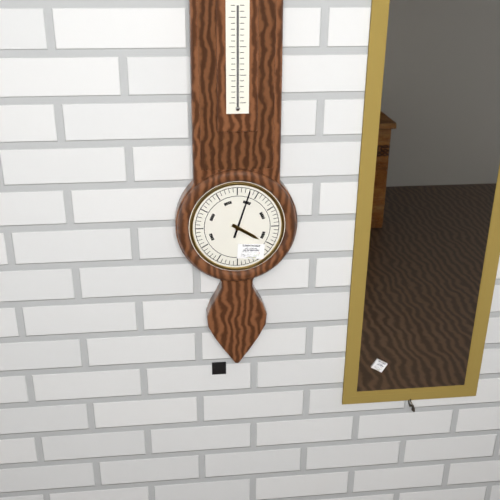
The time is 4h03
